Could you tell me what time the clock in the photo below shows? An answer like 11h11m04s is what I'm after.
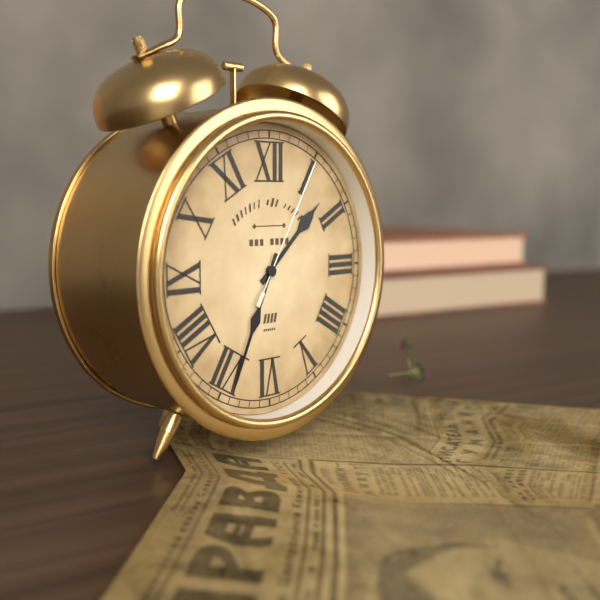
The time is 1h34m05s
